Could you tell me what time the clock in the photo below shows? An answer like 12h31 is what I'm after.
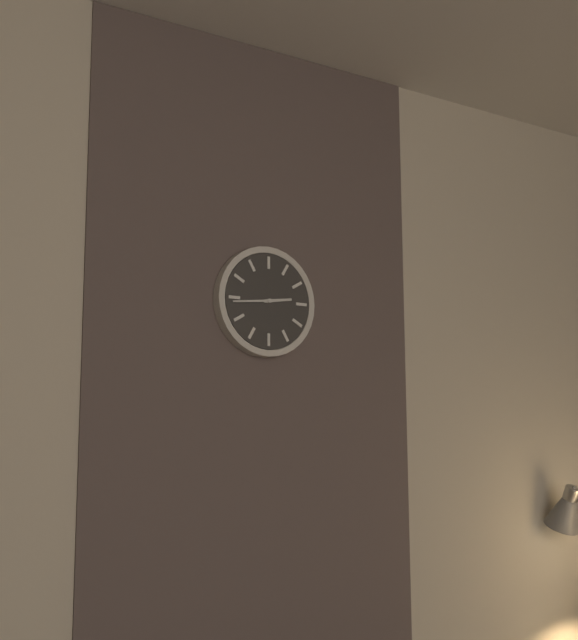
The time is 2h44
